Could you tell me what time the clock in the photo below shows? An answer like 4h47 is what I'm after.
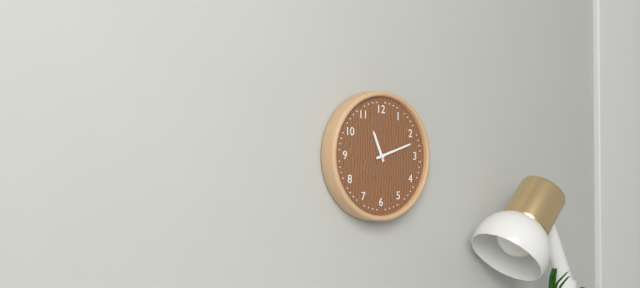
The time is 11h12
